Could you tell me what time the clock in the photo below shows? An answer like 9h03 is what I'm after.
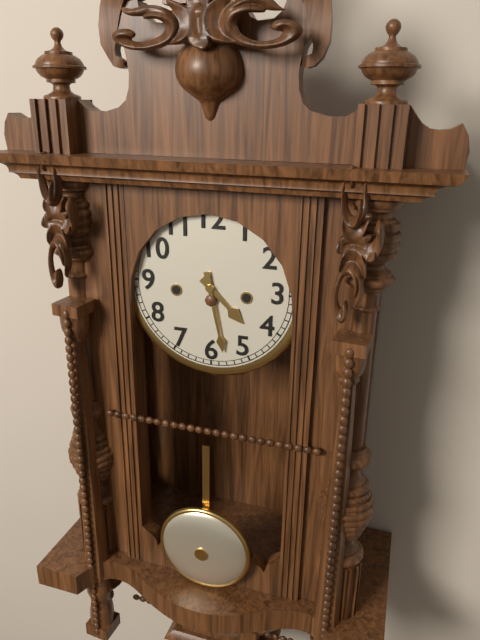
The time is 4h28
